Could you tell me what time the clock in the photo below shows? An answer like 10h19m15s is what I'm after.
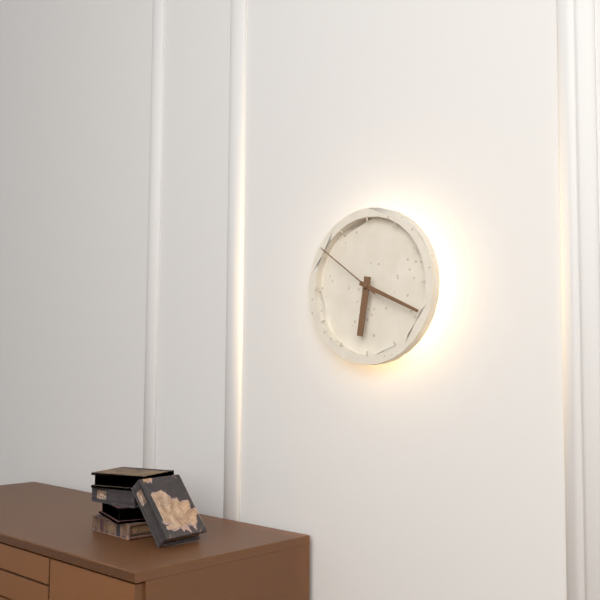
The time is 6h19m51s
